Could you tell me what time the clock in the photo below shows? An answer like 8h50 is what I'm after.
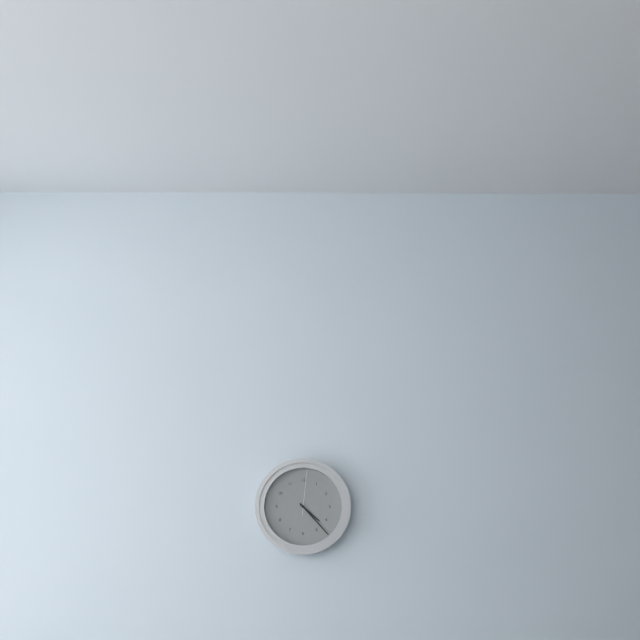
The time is 4h23
